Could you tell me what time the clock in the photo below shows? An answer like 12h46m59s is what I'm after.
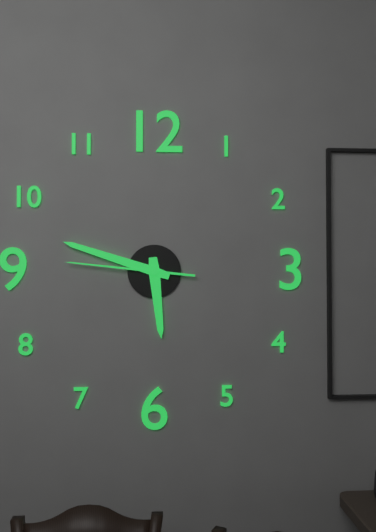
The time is 5h48m46s
